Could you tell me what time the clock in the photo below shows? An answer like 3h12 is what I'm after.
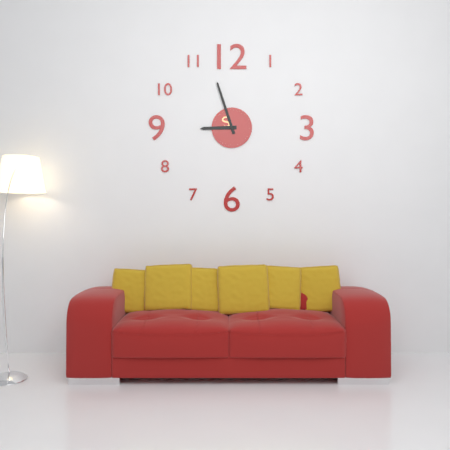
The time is 8h57
